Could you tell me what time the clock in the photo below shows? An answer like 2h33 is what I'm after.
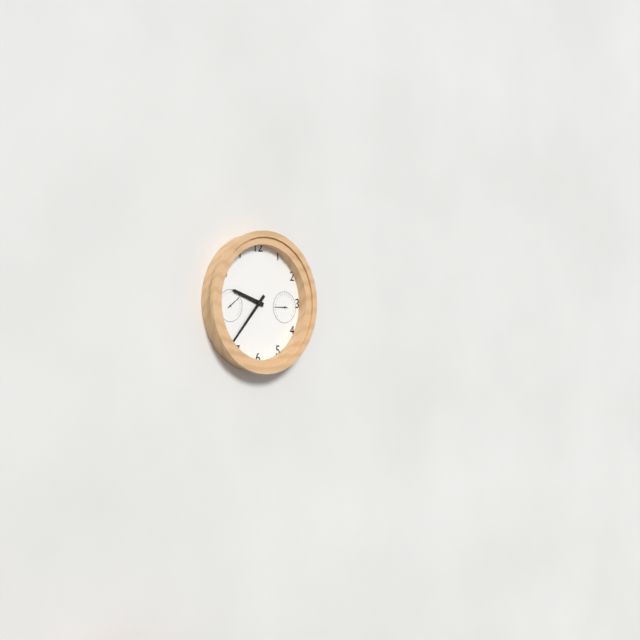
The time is 9h37
